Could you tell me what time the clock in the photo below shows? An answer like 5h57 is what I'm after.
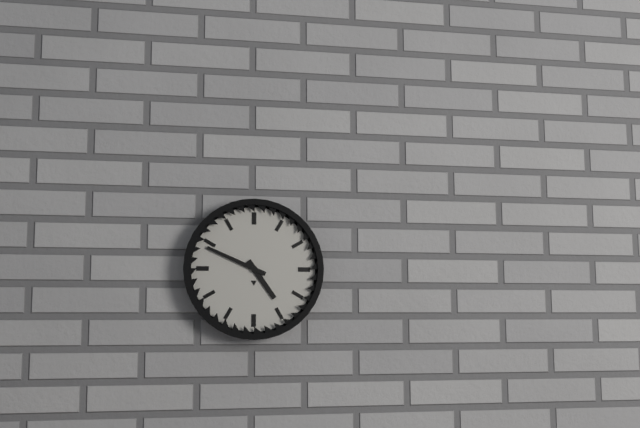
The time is 4h49
